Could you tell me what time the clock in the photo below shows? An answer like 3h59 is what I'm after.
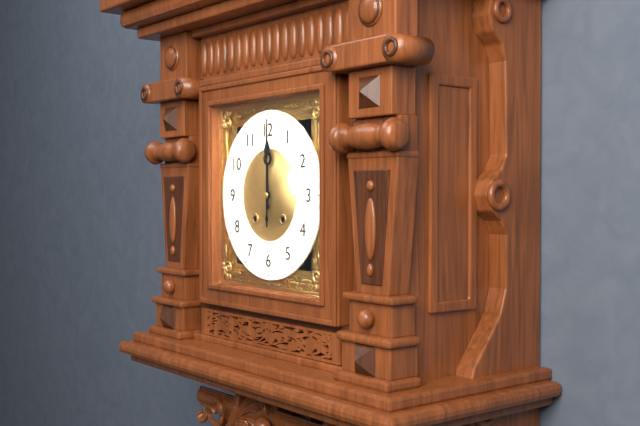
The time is 12h00
